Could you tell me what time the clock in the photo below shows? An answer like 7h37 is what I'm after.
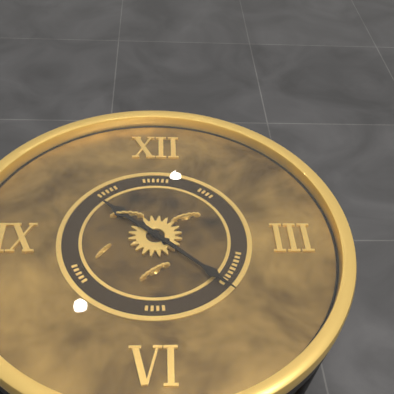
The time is 10h22
